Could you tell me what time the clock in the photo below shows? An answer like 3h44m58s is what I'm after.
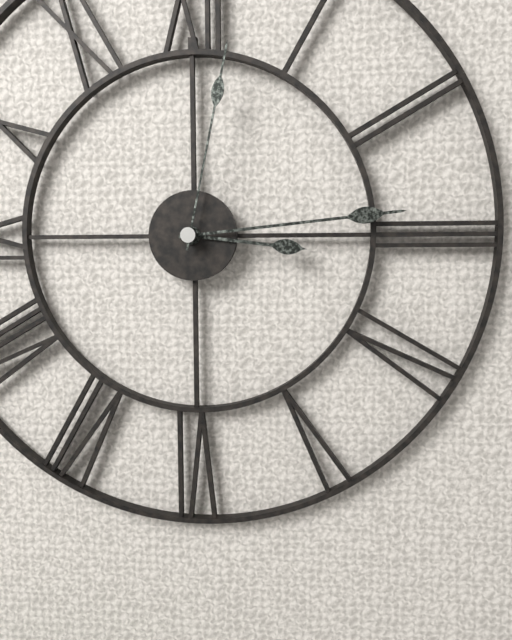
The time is 3h14m02s
